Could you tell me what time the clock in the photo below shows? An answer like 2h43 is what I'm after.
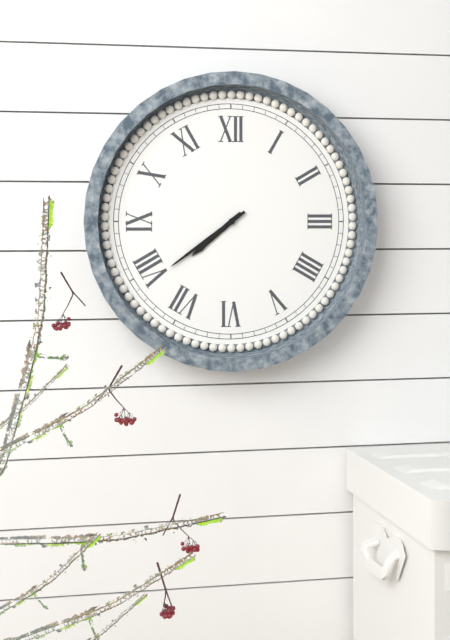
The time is 7h39
